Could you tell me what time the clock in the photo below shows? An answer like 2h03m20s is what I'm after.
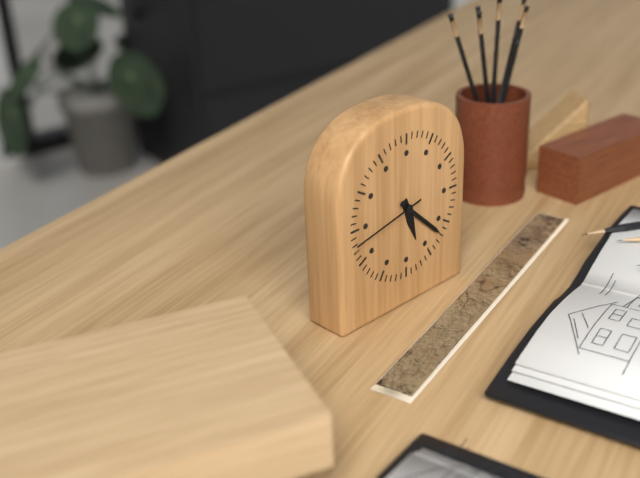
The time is 5h22m43s
